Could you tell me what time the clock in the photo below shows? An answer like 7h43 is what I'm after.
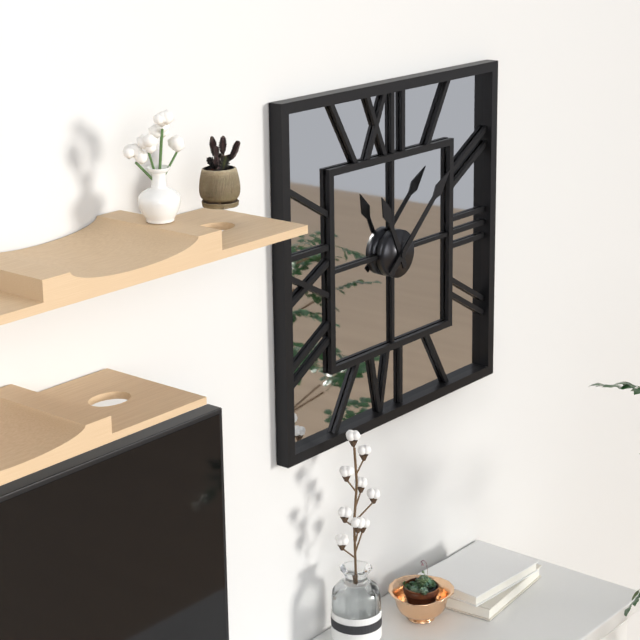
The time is 11h08
